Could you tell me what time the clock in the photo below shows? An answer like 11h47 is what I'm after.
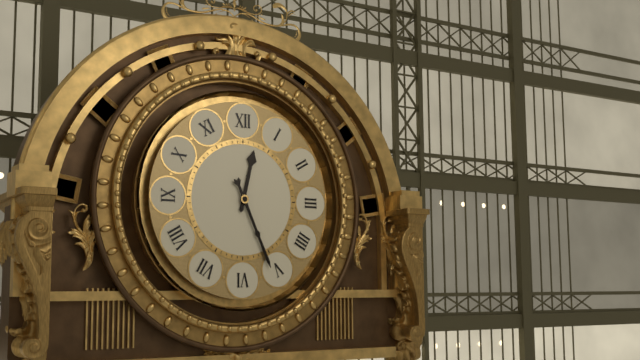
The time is 12h26
